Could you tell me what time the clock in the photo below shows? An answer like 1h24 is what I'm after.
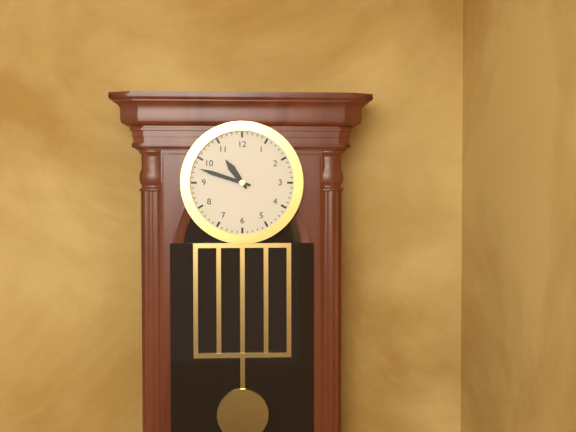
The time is 10h48
